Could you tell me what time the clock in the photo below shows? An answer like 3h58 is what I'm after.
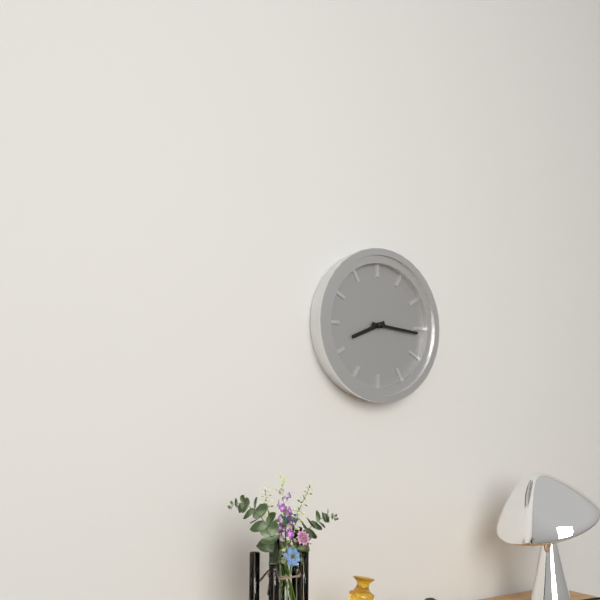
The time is 8h16
